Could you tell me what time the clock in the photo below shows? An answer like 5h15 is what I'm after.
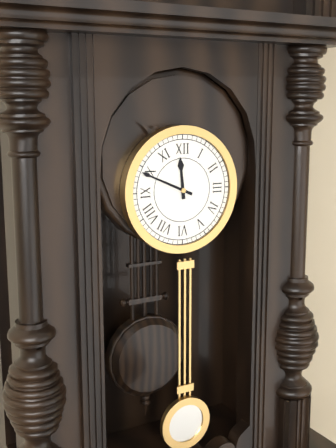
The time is 11h49
